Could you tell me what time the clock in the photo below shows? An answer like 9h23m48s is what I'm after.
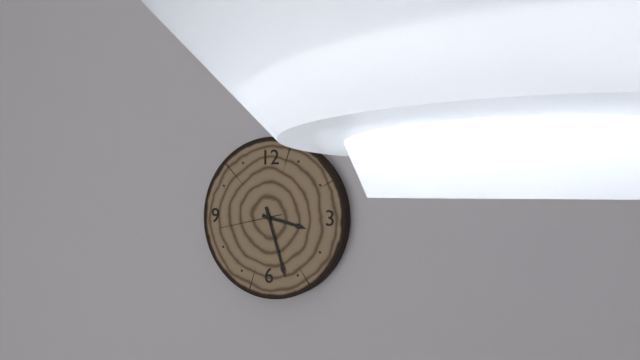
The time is 3h27m43s
